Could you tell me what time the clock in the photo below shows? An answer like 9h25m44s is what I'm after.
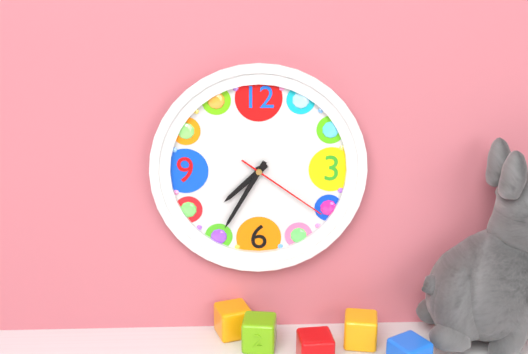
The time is 7h35m21s
